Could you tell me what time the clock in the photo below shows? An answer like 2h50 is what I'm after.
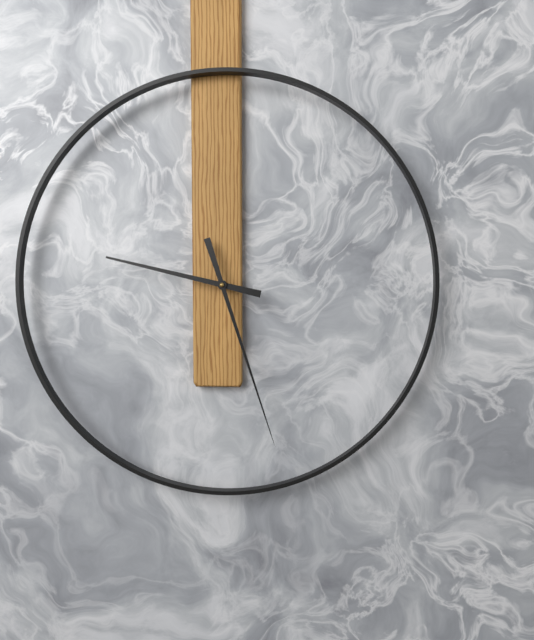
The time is 9h27
